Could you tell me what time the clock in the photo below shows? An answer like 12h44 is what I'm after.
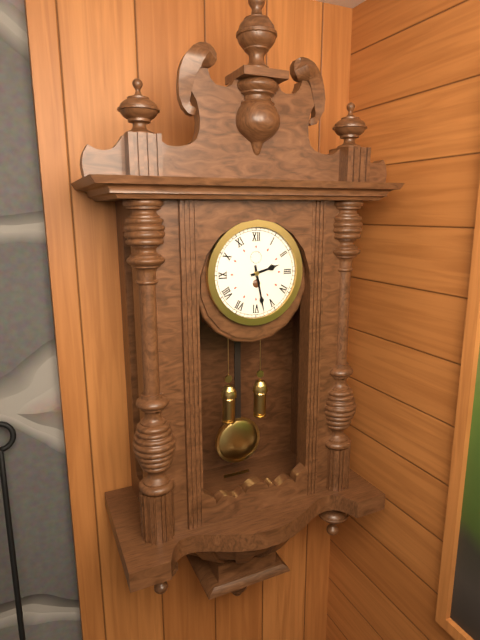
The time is 2h28
